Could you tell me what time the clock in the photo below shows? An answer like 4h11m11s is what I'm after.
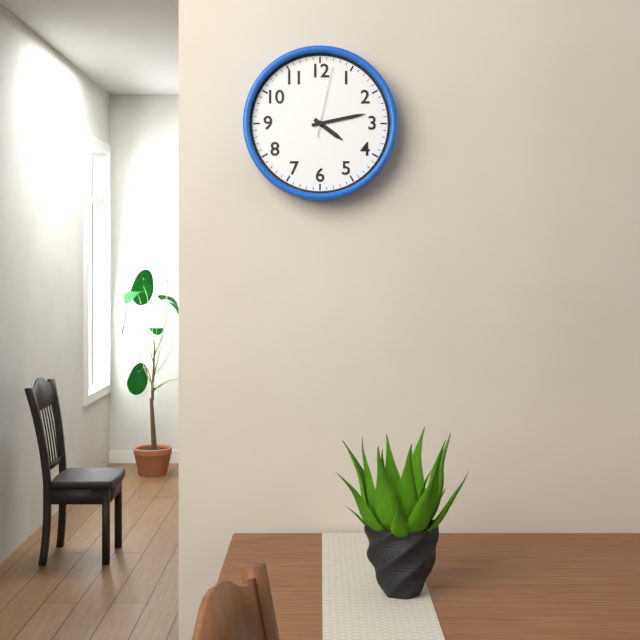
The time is 4h13m02s
